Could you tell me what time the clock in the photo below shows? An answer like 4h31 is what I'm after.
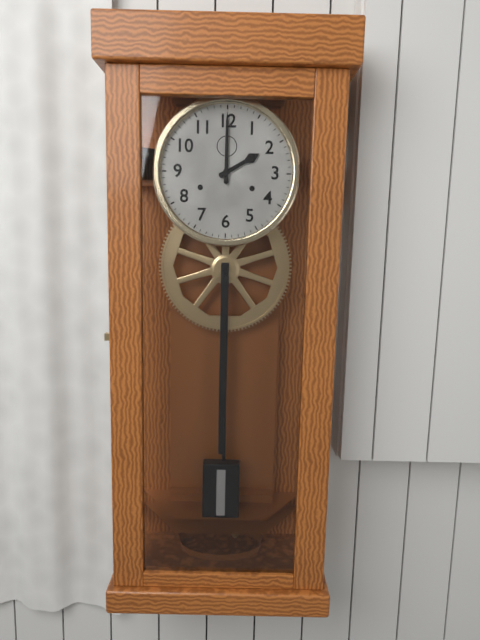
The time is 2h00
